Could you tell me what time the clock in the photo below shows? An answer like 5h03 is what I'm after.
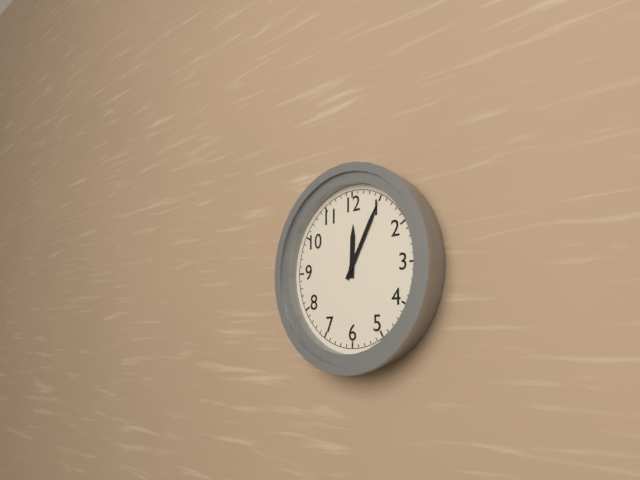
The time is 12h05
